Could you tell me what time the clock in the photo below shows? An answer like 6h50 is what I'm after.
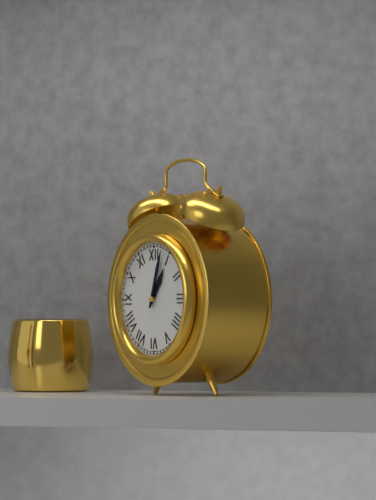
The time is 1h03
